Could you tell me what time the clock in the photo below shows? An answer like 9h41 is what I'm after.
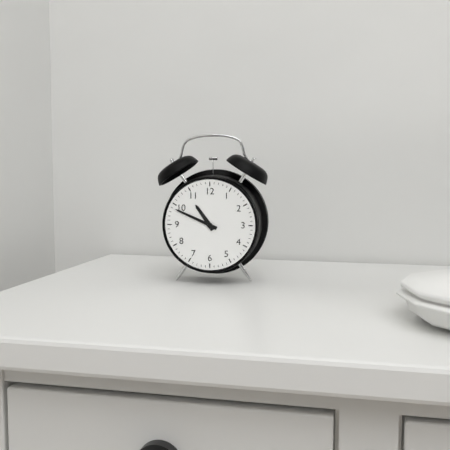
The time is 10h49
